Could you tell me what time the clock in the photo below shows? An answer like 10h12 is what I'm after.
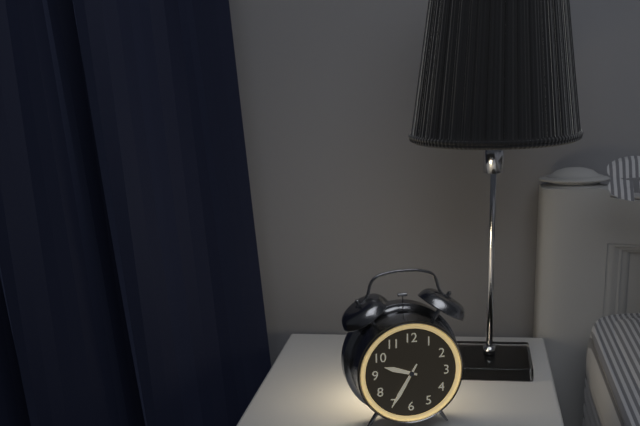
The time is 9h35
